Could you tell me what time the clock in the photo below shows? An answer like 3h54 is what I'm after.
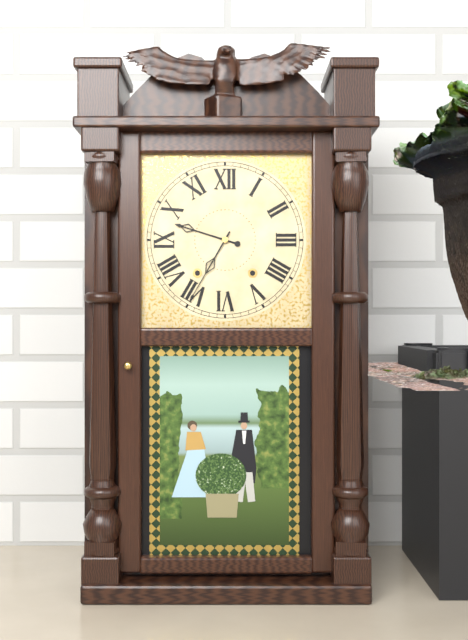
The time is 9h35
